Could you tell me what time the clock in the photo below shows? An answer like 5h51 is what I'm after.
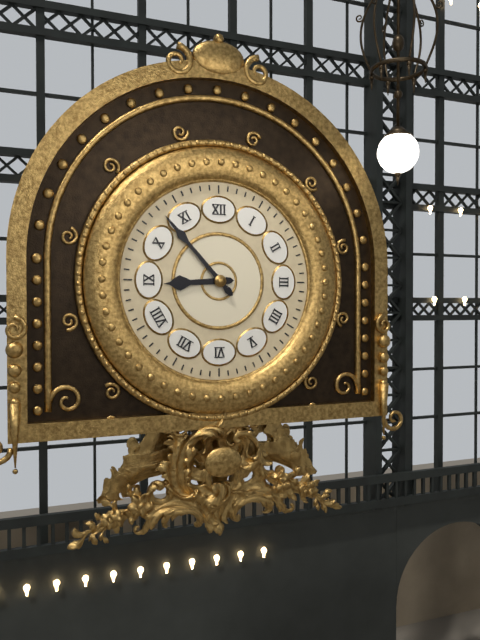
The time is 8h53
